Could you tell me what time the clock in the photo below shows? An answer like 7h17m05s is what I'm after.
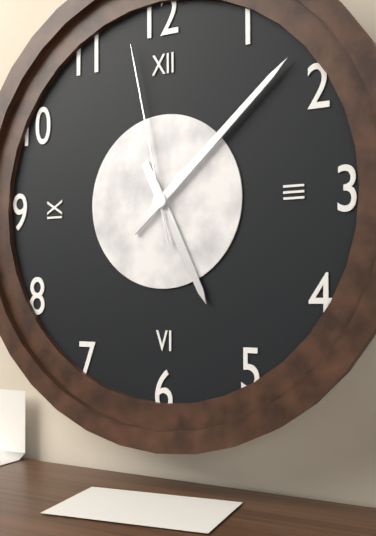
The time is 5h08m58s
